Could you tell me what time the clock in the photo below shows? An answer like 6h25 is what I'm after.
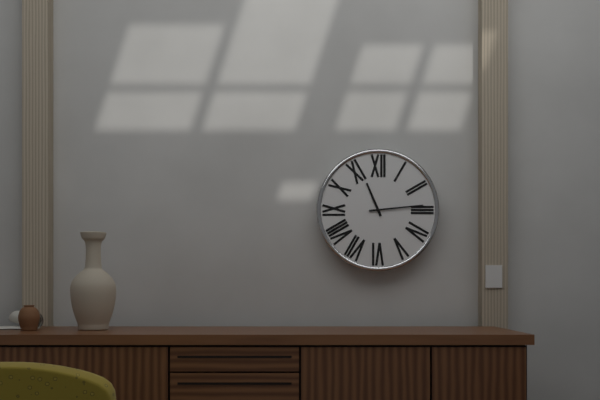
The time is 11h14
